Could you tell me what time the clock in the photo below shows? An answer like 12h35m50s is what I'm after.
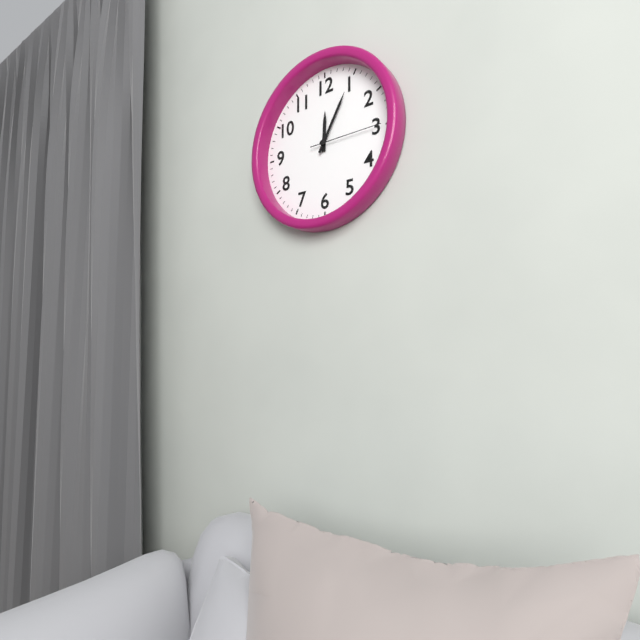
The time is 12h05m15s
